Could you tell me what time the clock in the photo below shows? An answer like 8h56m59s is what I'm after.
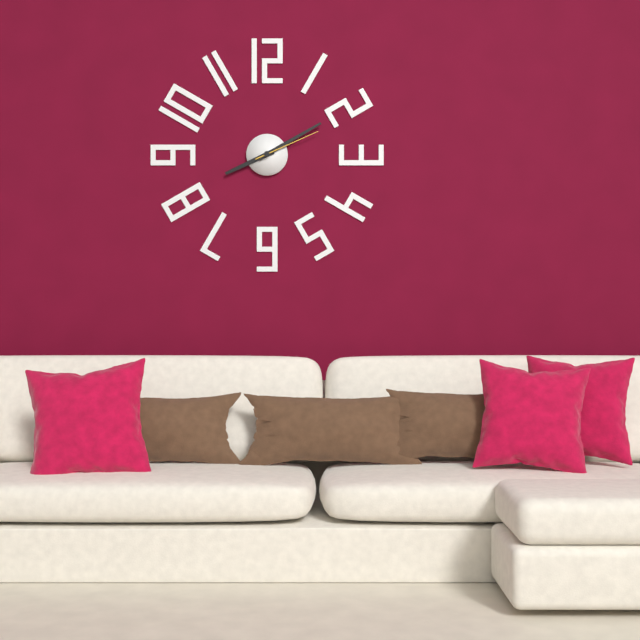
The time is 8h10m11s
